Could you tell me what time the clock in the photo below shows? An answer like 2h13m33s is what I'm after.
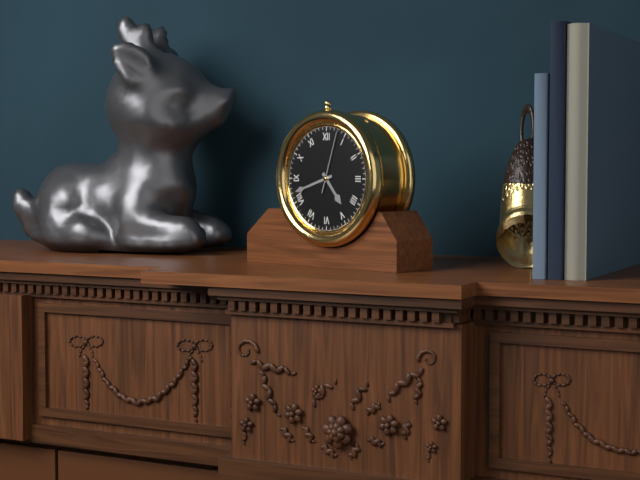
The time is 4h42m03s
